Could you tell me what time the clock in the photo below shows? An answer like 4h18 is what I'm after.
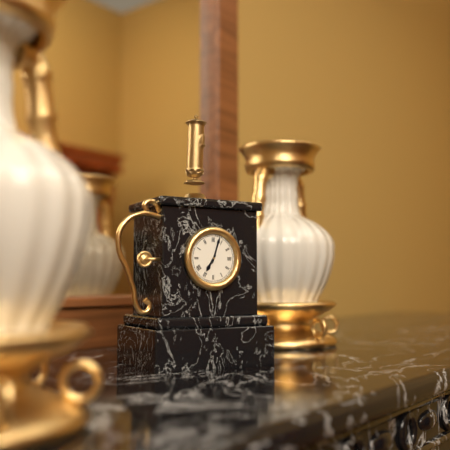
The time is 7h03
